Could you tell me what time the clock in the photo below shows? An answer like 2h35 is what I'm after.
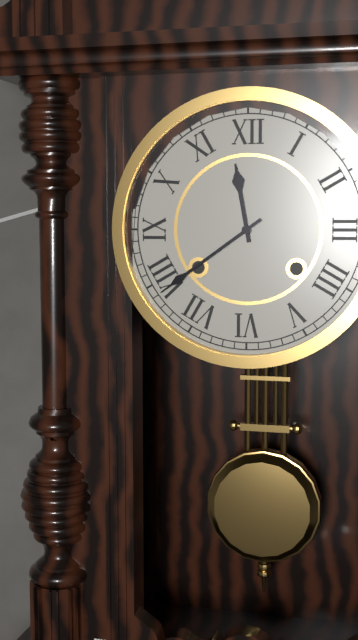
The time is 11h39
